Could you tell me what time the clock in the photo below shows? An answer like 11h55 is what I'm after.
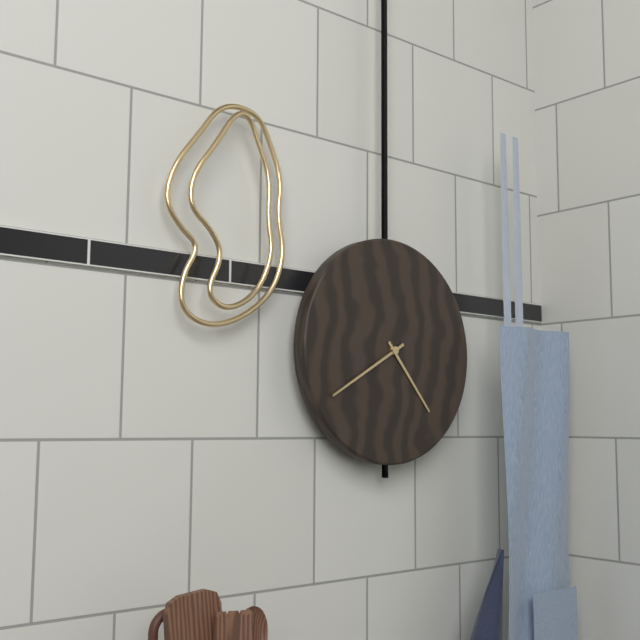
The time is 4h40
